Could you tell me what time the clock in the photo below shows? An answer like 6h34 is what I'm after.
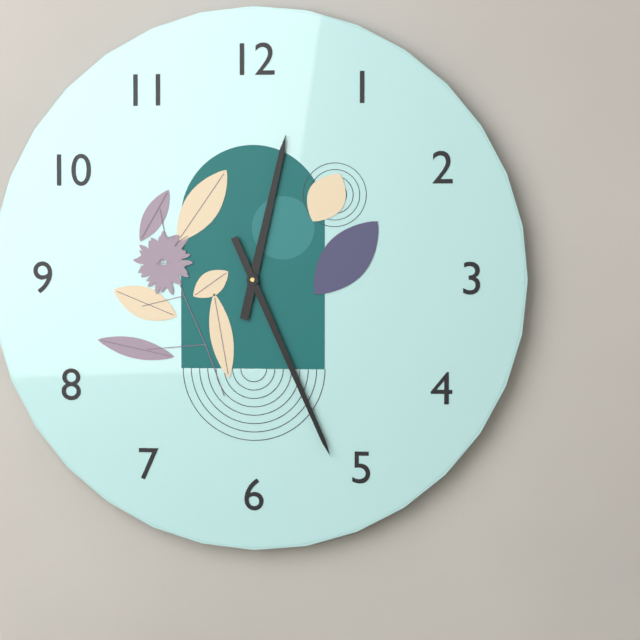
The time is 12h26
